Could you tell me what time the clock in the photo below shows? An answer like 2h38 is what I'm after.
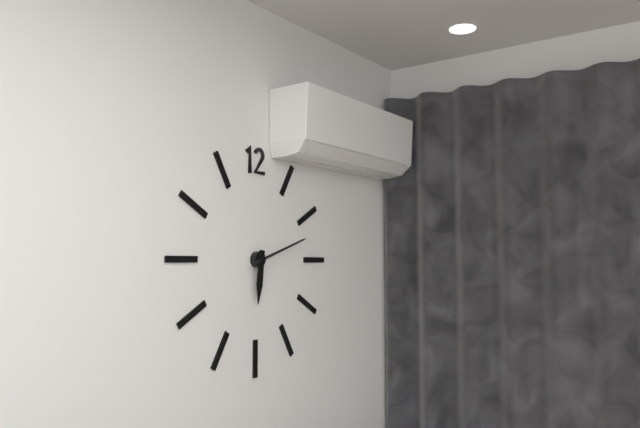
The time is 6h12
